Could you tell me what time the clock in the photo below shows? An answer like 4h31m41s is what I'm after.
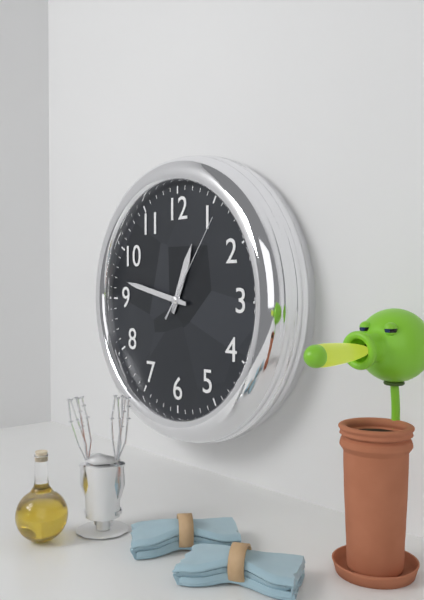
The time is 12h47m06s
